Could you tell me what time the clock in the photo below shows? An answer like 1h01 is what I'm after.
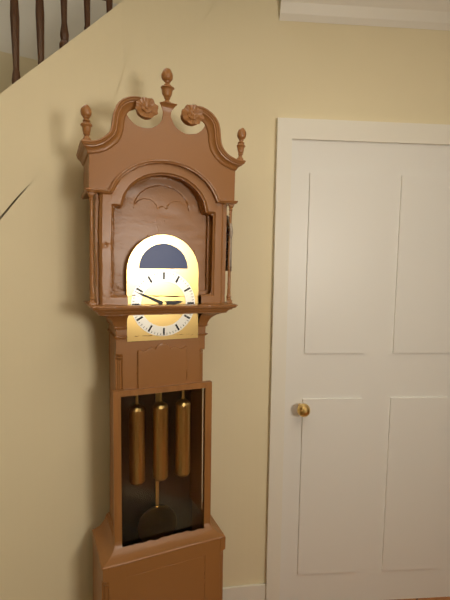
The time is 2h49
